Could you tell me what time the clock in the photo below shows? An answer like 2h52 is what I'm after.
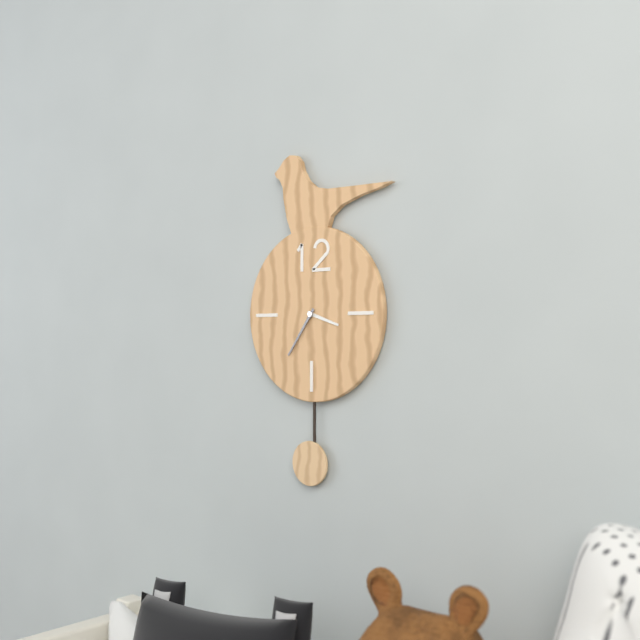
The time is 3h36
